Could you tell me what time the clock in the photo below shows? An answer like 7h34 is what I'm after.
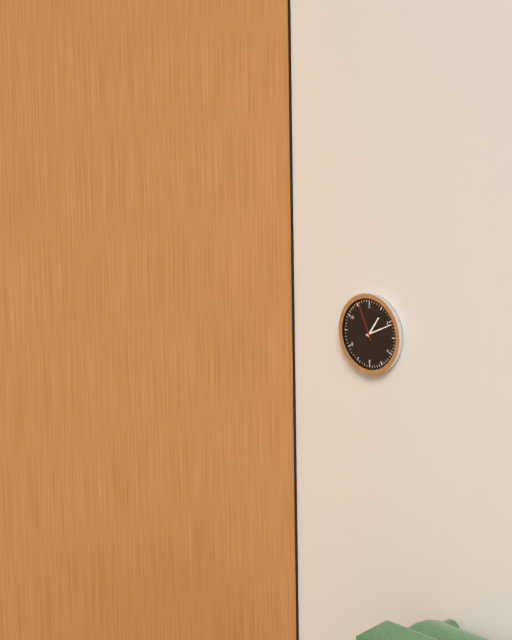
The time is 1h11
